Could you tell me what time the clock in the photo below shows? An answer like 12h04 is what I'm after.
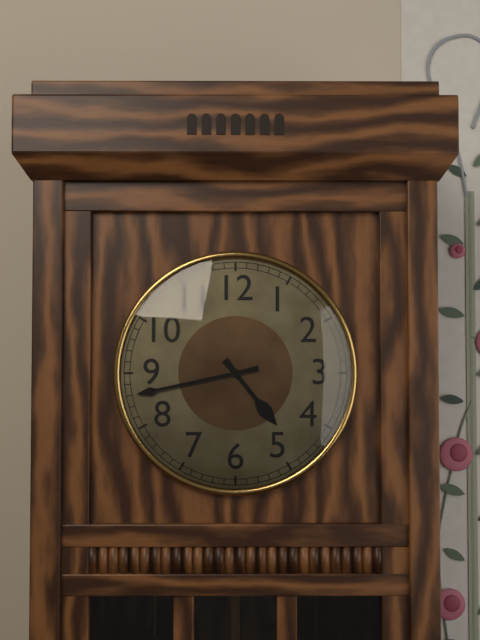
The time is 4h43
